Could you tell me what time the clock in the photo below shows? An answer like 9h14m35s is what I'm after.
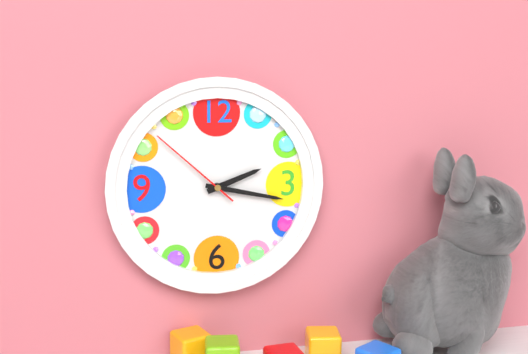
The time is 2h17m52s
